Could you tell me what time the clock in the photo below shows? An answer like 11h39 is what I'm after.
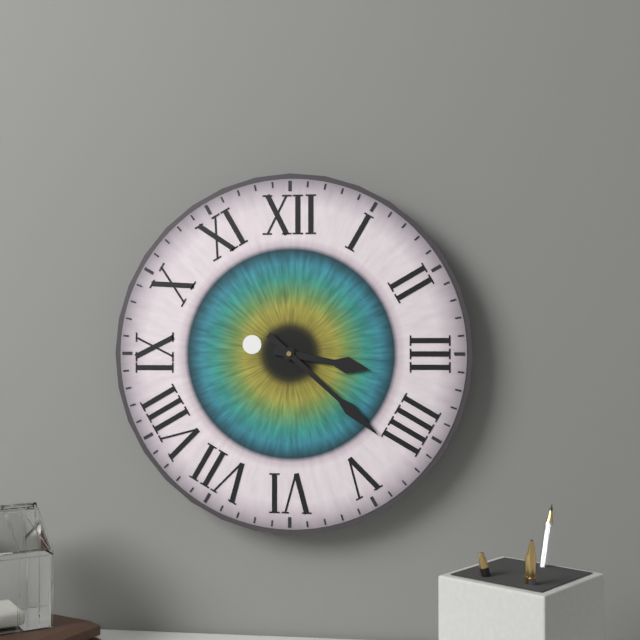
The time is 3h22
